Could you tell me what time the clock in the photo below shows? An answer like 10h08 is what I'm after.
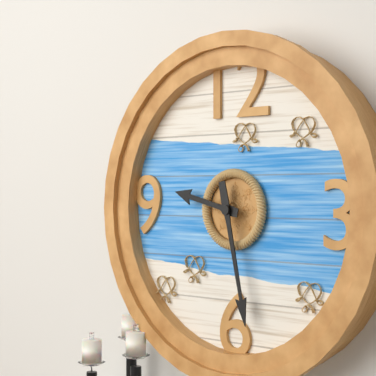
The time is 9h28
